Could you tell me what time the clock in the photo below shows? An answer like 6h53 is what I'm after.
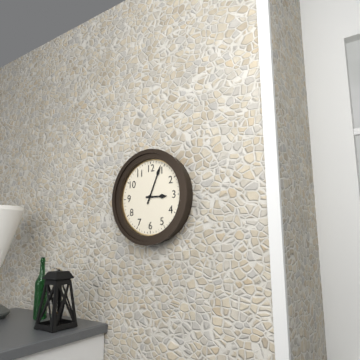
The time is 3h04
